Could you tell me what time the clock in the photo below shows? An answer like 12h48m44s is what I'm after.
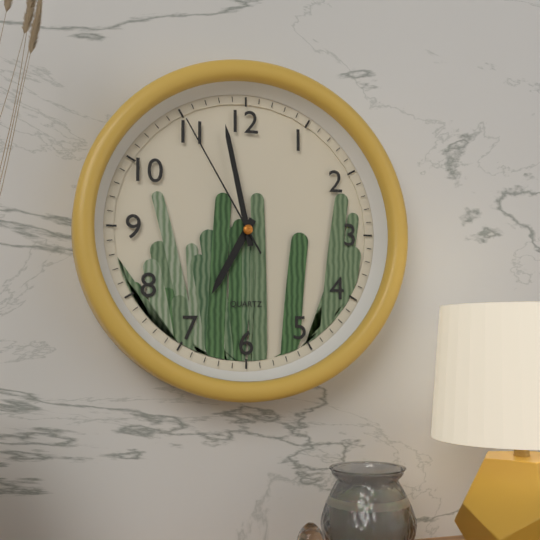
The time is 6h58m55s
